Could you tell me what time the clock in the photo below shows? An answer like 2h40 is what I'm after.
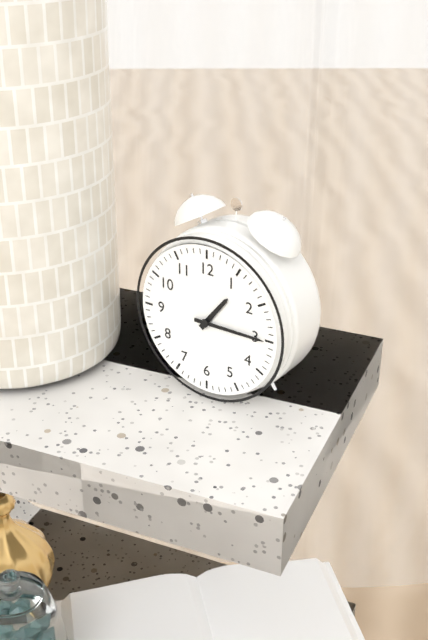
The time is 1h15
